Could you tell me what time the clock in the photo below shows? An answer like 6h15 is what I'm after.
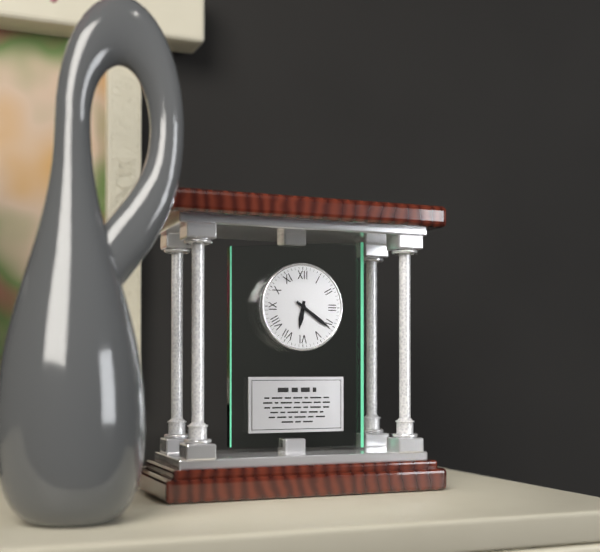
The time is 6h21
